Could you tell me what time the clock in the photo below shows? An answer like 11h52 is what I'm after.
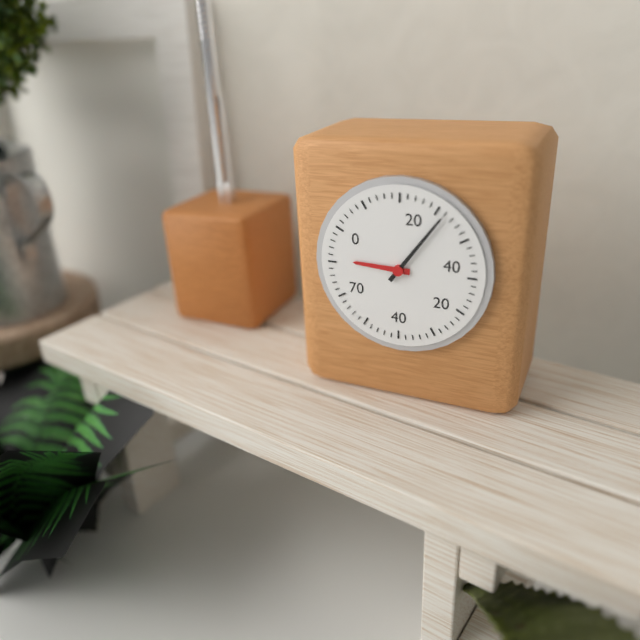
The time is 9h06
